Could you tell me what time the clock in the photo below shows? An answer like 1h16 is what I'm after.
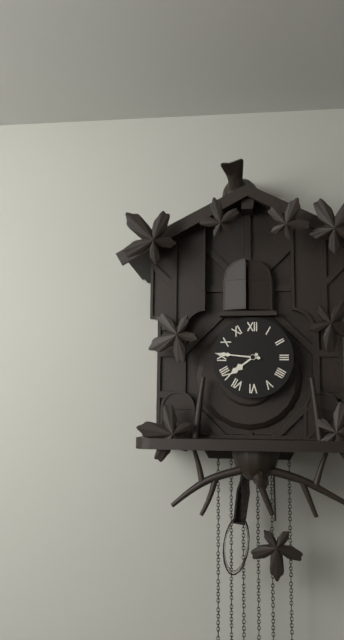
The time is 7h46
